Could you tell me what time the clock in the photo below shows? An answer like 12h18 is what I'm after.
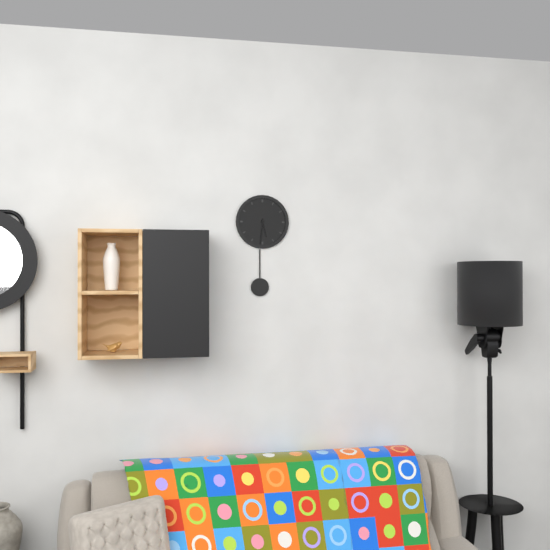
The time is 5h31
